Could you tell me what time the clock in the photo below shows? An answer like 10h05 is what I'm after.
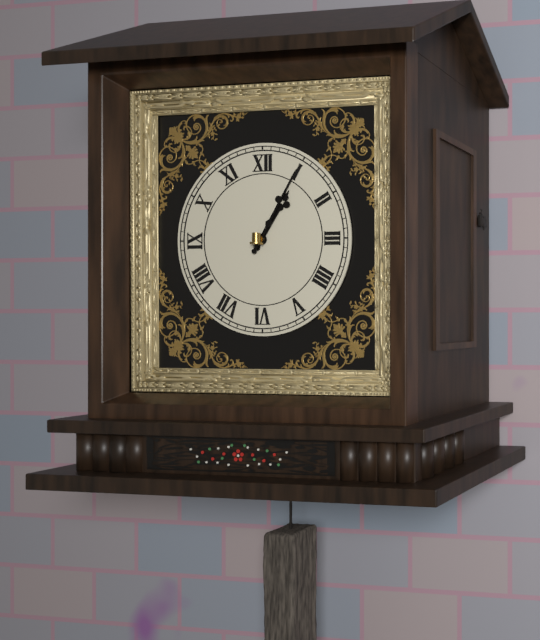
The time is 1h05
